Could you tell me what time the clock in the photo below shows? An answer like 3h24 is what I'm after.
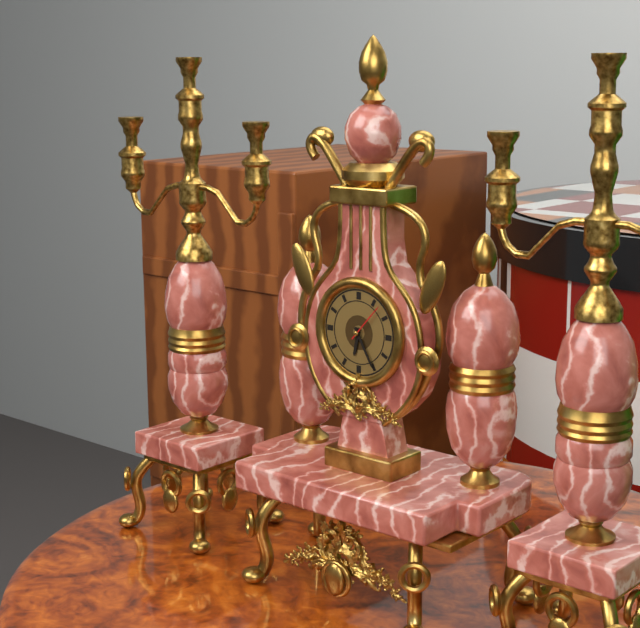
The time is 6h25
